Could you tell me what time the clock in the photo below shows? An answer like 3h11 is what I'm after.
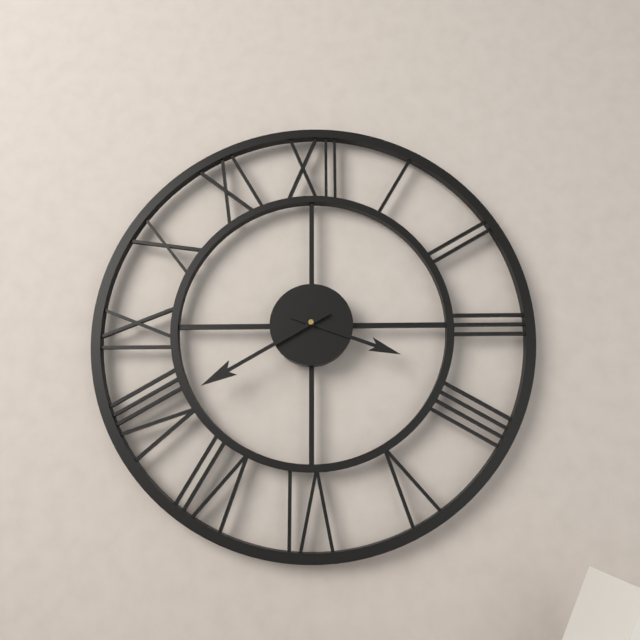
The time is 3h40
